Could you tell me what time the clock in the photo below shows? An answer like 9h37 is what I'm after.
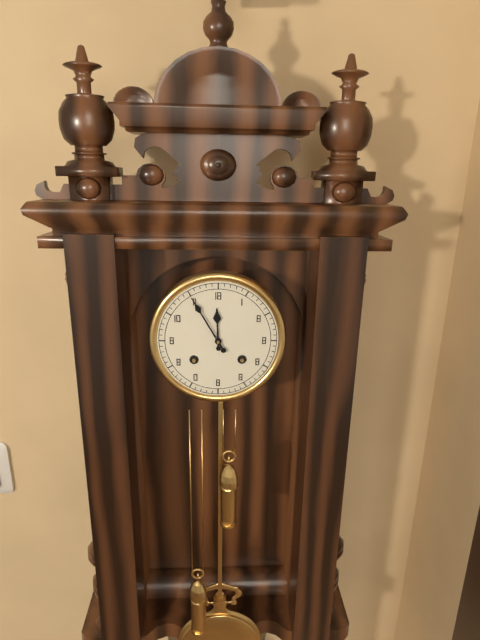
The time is 11h55
